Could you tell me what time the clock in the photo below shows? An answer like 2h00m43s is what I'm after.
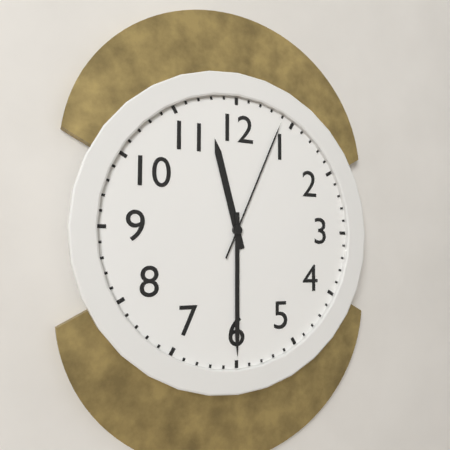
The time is 11h30m04s
